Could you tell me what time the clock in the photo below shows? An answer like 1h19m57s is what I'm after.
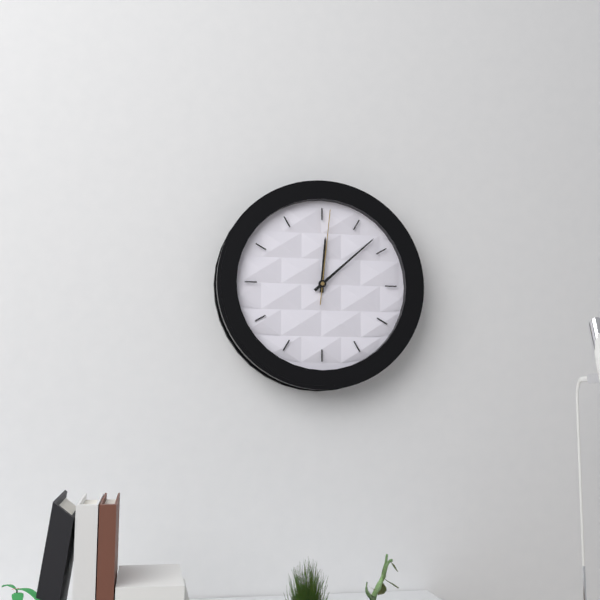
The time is 12h08m01s
